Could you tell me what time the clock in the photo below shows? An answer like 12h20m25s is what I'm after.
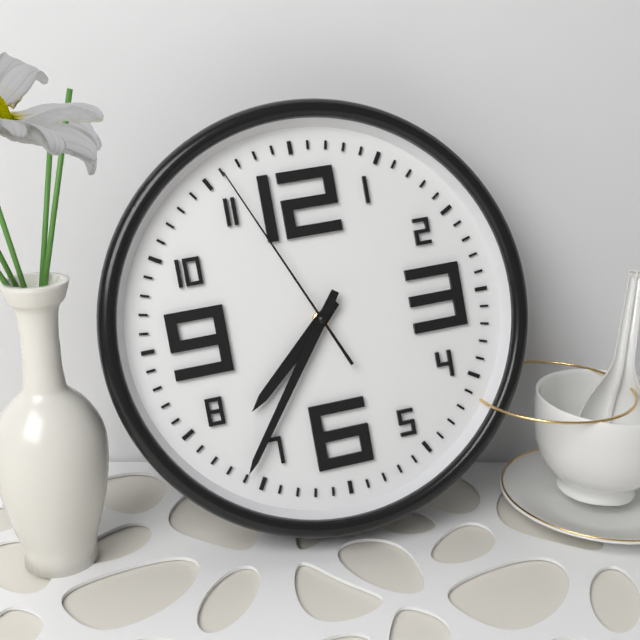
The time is 7h36m56s
